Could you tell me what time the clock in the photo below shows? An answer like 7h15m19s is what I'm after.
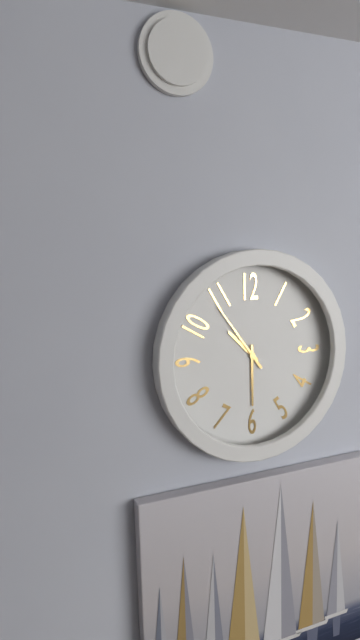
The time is 10h30m54s
